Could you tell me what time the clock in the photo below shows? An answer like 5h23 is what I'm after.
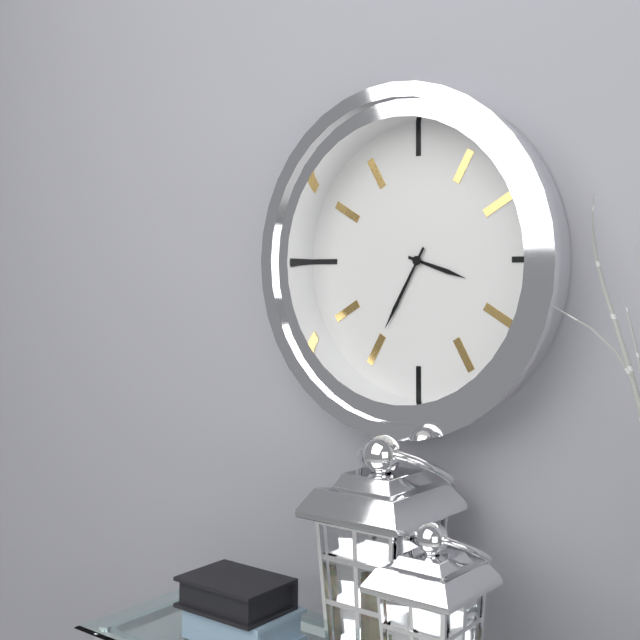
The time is 3h35
